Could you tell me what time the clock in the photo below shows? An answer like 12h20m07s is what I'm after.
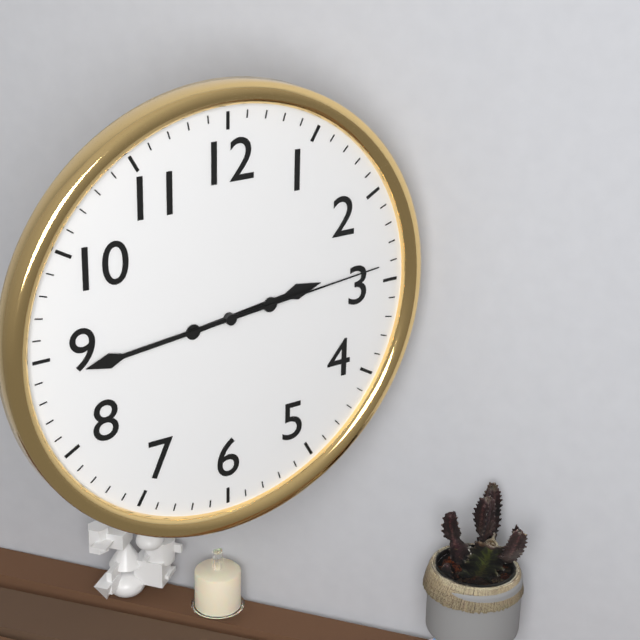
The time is 2h44m14s
